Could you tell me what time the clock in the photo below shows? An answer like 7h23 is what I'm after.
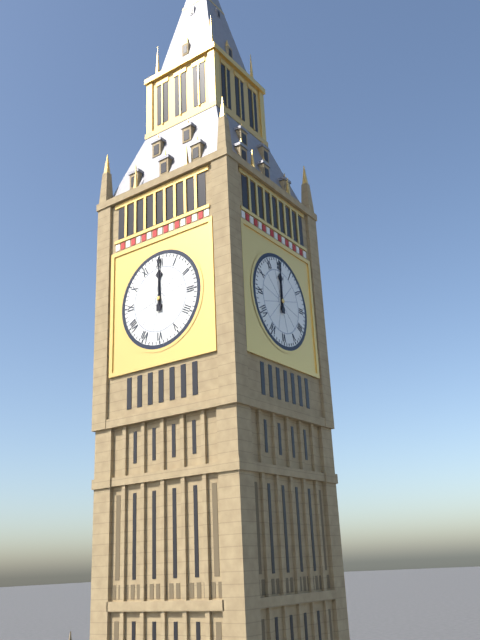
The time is 12h00
